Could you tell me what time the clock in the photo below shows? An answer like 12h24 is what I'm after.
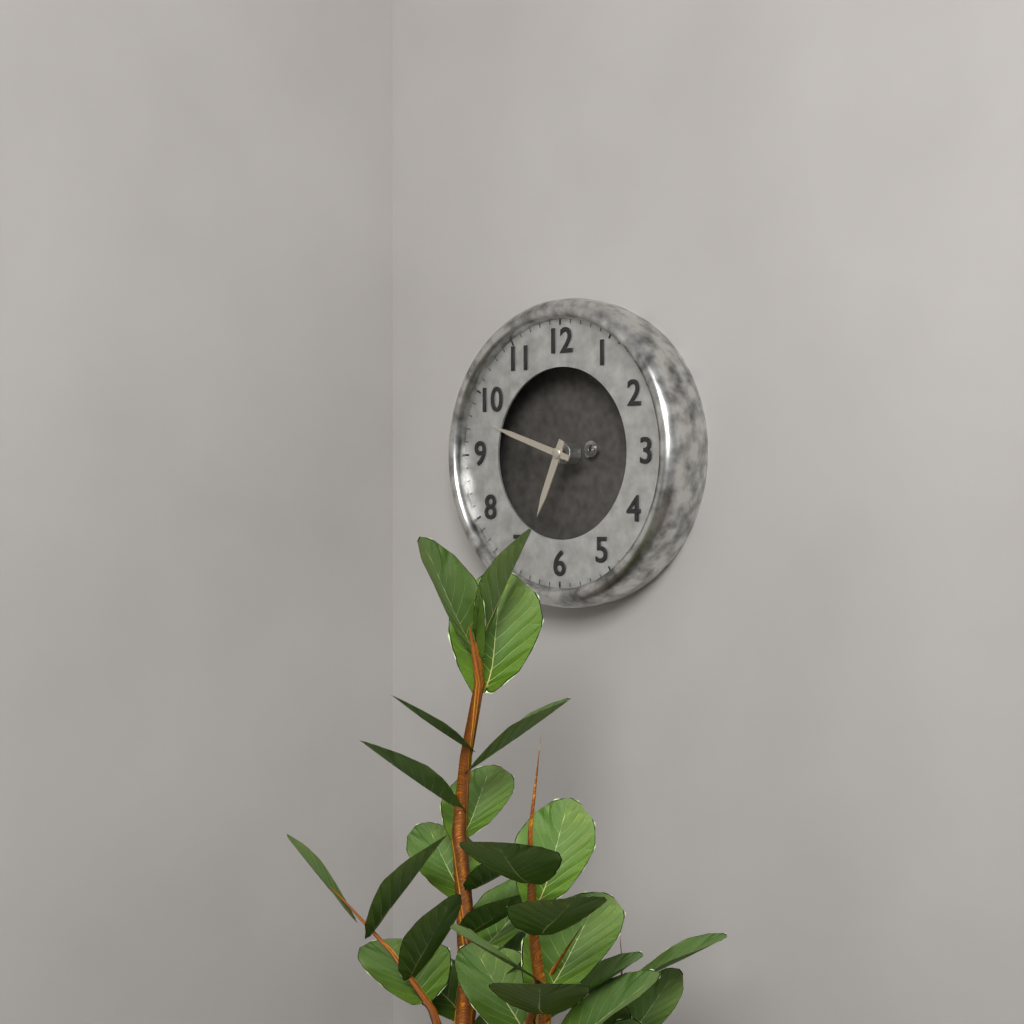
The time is 6h48
